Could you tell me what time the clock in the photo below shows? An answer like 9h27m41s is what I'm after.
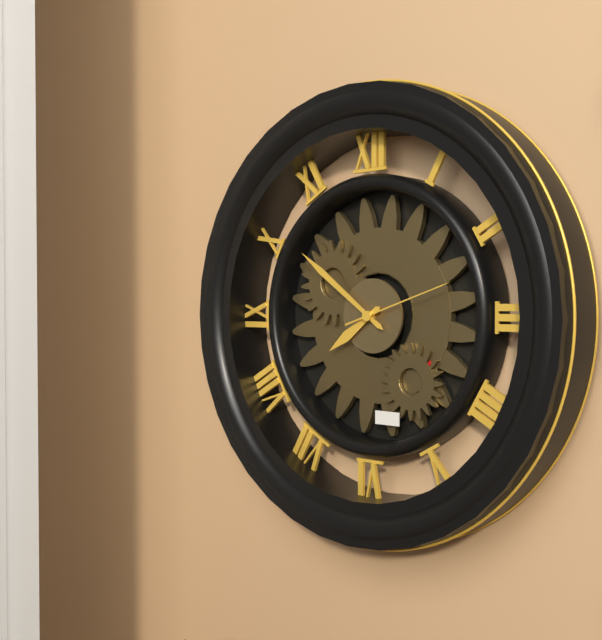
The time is 7h51m12s
